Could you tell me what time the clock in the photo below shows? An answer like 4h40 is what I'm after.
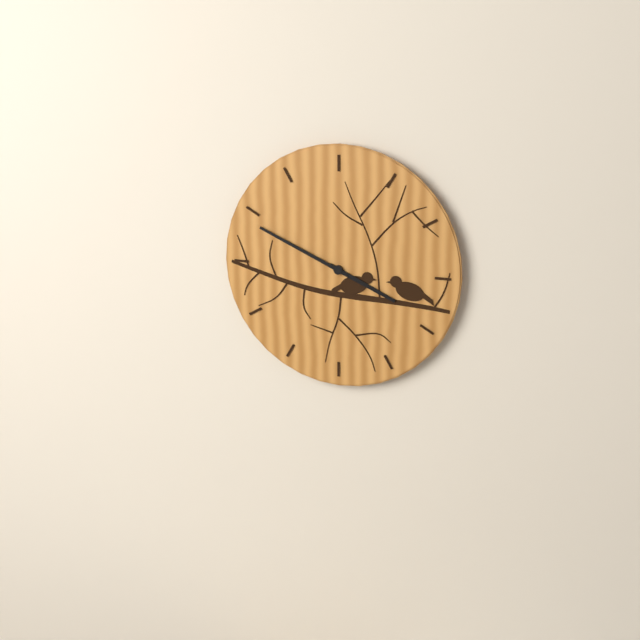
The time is 3h49
